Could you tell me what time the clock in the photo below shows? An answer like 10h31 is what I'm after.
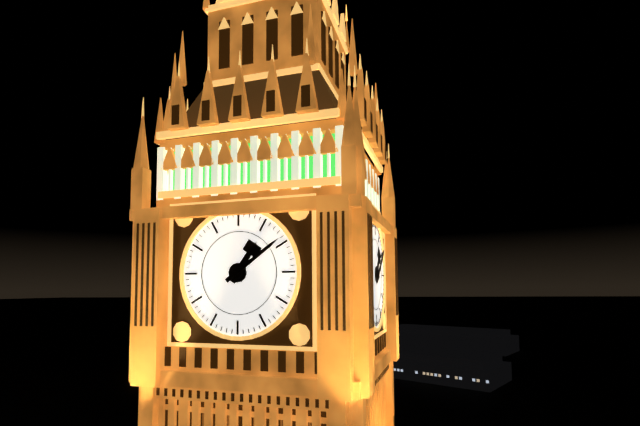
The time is 1h09
